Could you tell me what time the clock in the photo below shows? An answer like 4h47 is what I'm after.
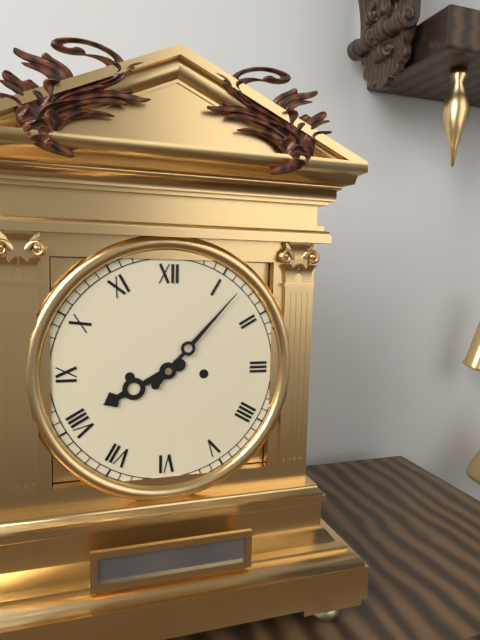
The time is 8h07
